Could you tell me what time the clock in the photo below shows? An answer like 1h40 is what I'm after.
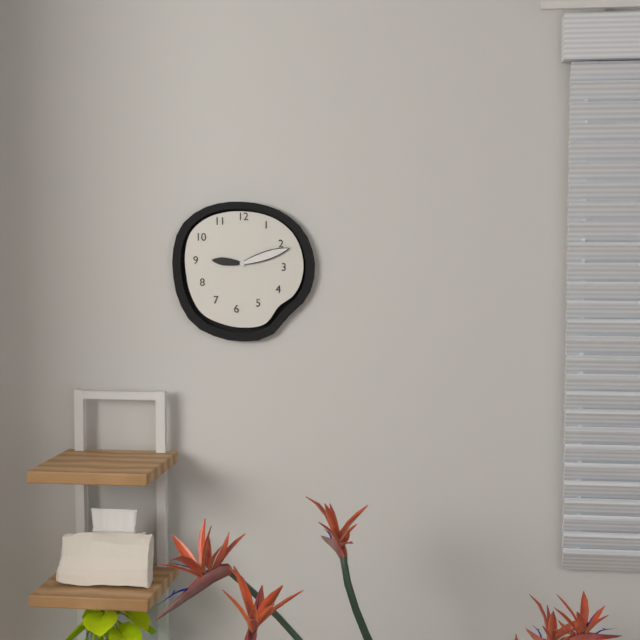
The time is 9h12
